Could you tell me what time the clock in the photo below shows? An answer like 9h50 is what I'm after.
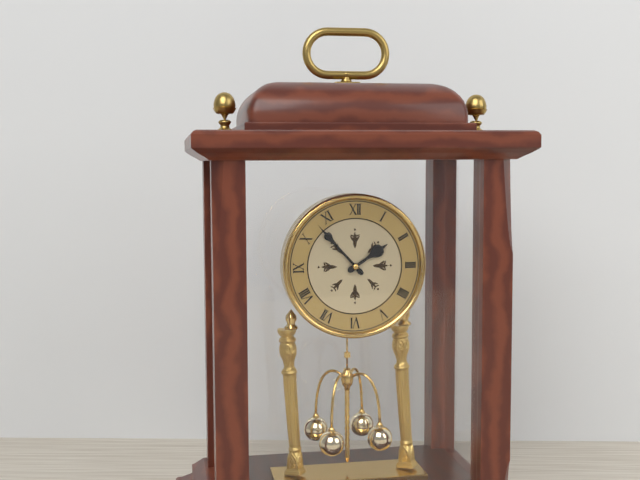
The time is 1h53
